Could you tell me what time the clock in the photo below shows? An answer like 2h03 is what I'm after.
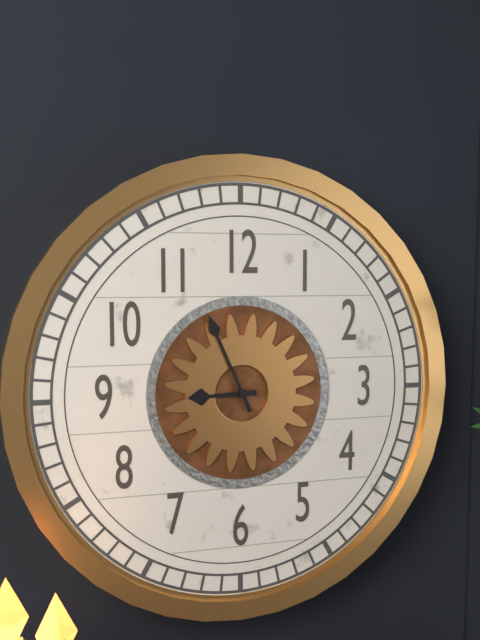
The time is 8h56
